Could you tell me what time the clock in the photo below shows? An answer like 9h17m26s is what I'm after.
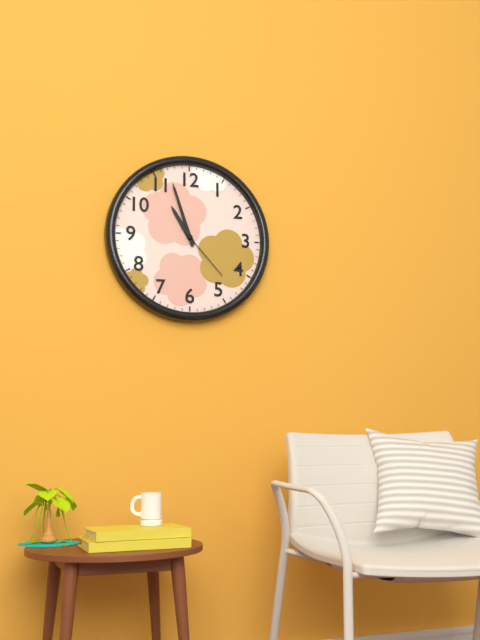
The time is 10h57m23s
